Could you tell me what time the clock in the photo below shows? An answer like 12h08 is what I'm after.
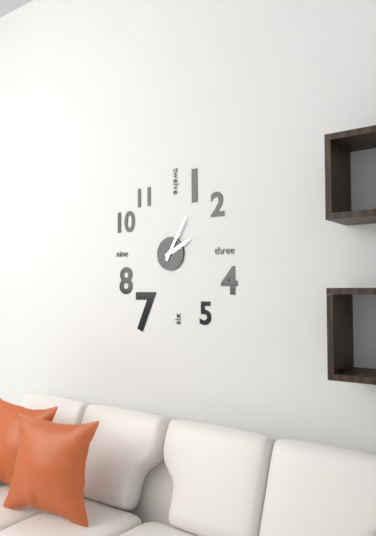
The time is 2h05
